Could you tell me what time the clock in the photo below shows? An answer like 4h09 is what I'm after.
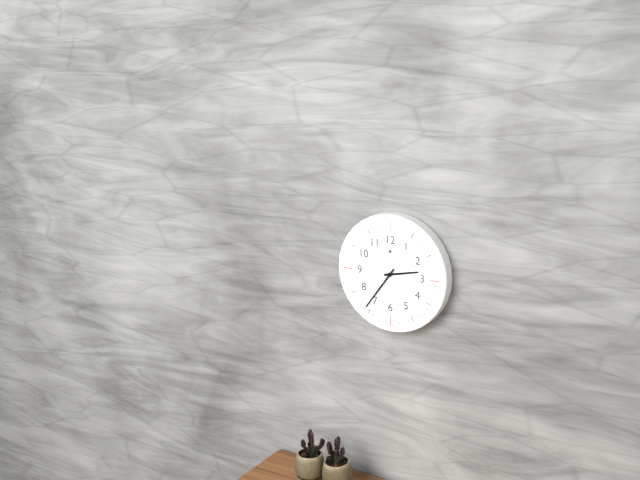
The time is 2h36
